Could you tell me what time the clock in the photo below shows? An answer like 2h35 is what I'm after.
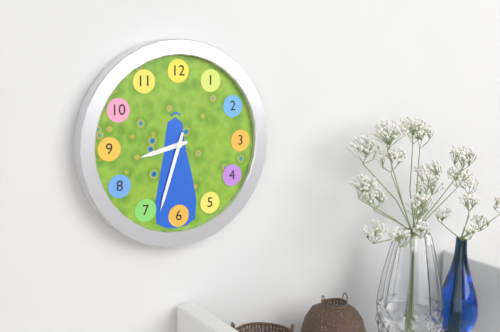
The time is 8h33
